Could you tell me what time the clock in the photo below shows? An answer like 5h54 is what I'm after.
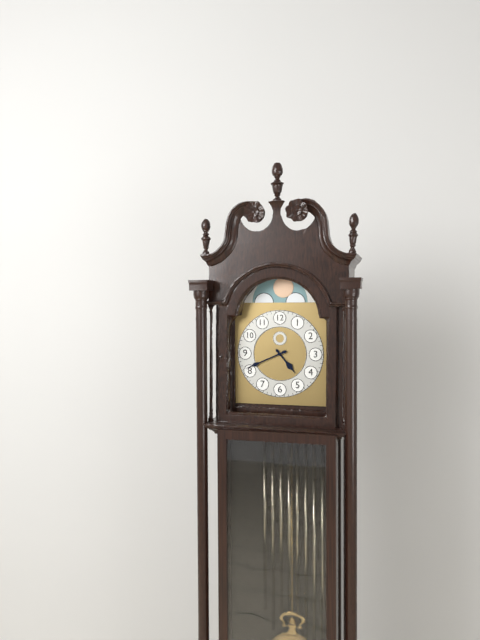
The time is 4h41
